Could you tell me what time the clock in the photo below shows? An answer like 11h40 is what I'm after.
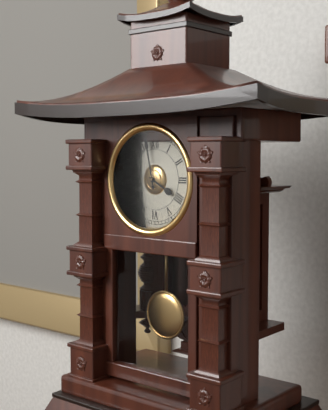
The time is 3h58
